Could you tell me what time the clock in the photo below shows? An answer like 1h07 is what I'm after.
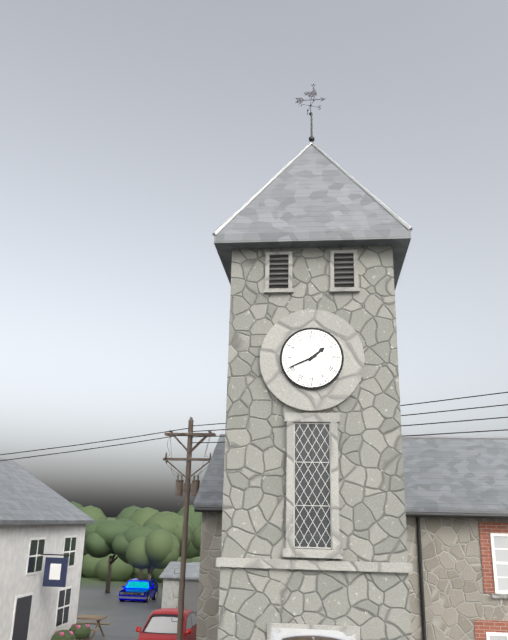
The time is 1h41
